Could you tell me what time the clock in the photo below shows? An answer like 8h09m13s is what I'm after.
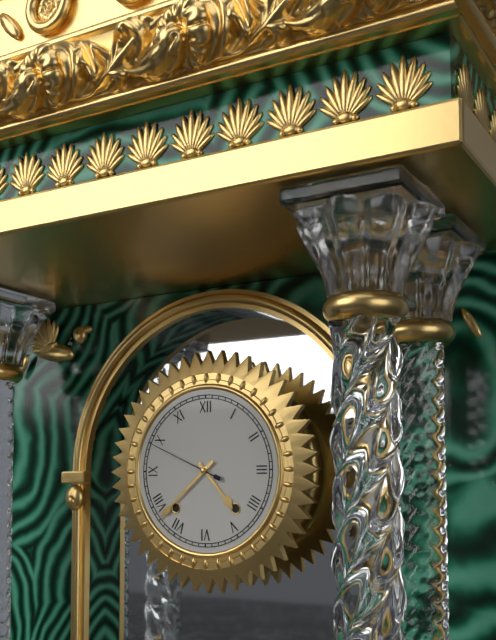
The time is 4h38m49s
